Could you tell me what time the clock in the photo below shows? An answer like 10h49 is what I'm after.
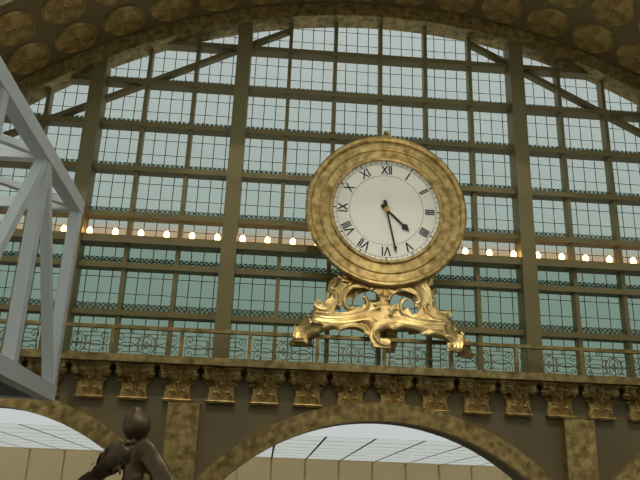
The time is 4h28
